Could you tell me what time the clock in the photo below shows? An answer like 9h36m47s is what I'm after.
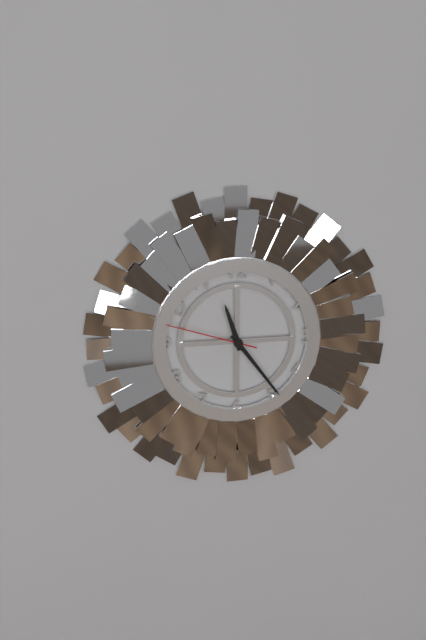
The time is 11h24m48s
